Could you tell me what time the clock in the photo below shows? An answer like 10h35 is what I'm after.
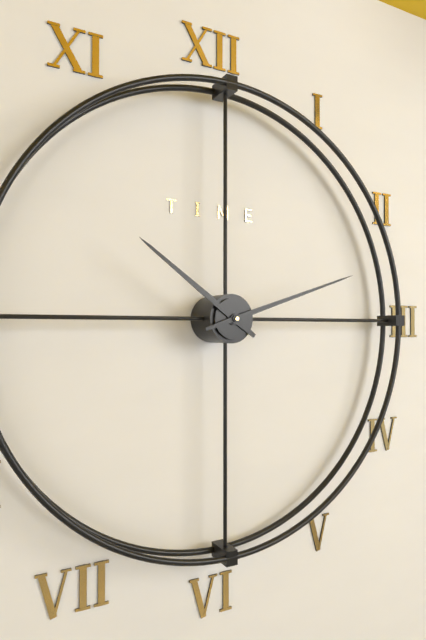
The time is 10h12
